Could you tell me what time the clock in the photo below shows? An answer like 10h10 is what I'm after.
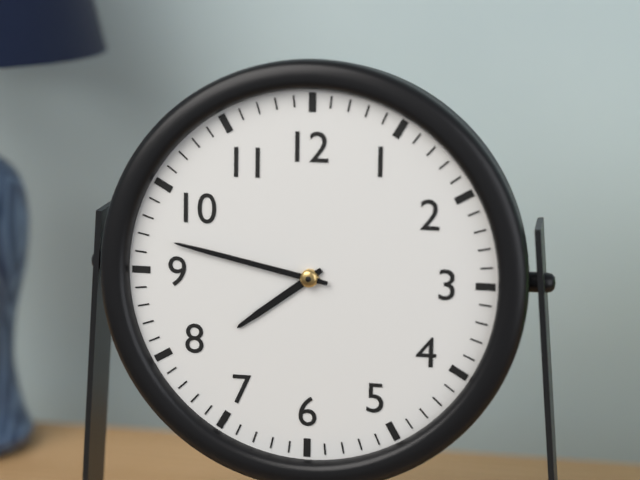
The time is 7h47
